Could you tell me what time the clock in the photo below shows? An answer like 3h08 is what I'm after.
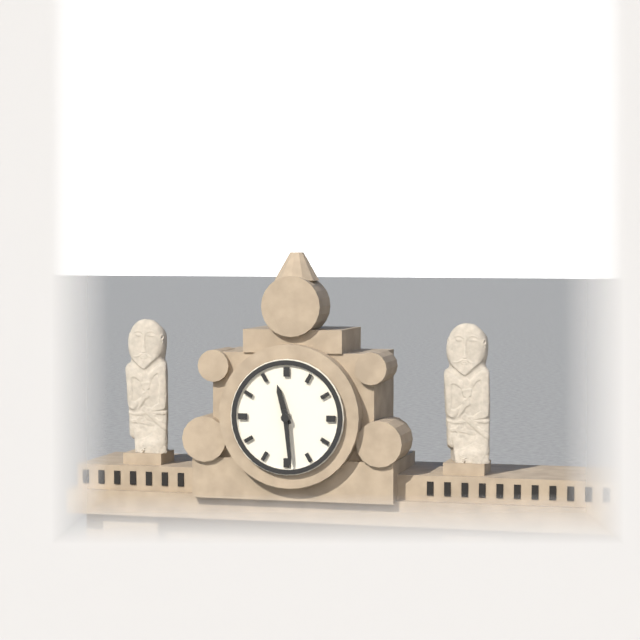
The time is 11h29
